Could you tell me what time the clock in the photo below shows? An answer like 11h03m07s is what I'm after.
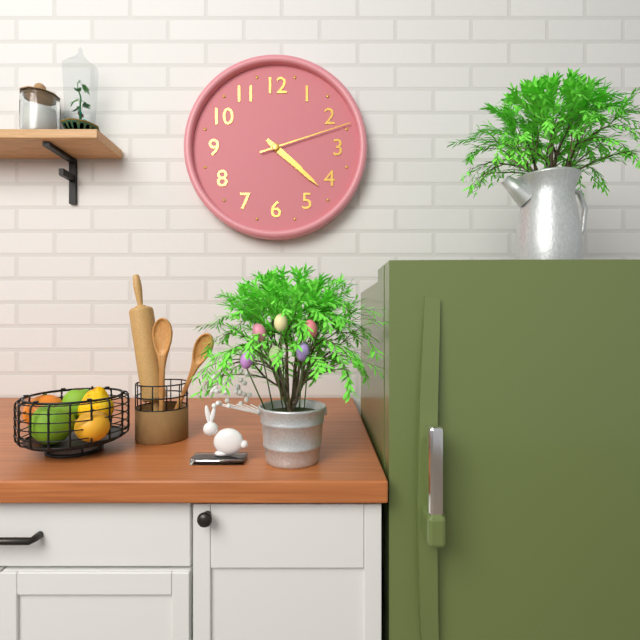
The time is 4h22m12s
